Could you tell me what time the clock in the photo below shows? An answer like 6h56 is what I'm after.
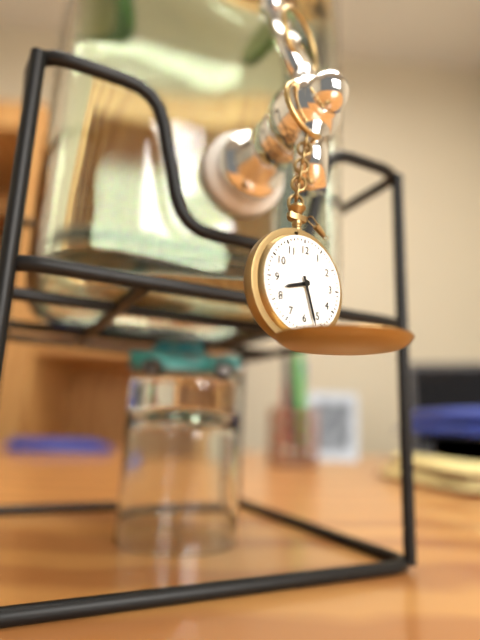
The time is 8h27
